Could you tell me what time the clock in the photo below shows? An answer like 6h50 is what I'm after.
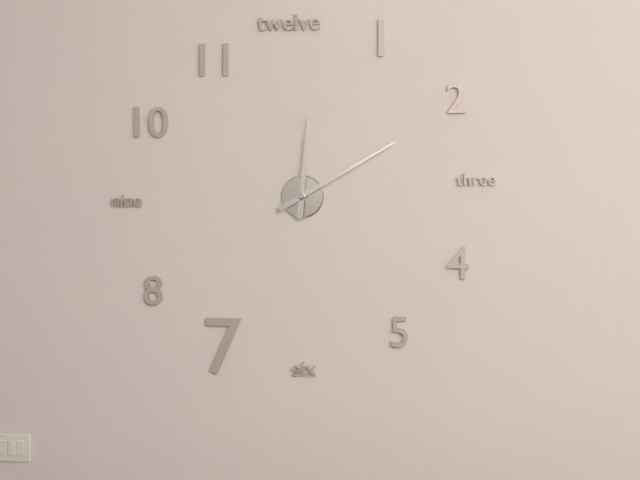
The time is 12h10
